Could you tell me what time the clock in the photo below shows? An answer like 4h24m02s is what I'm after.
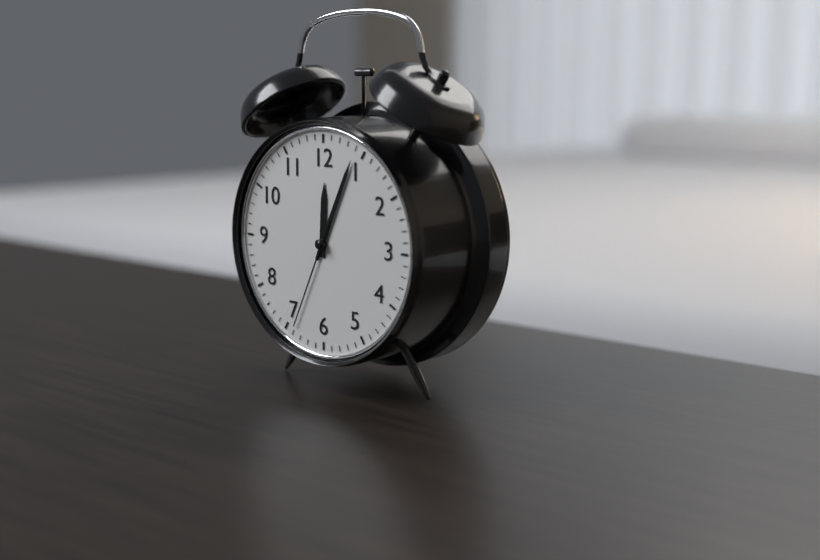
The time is 12h04m34s
